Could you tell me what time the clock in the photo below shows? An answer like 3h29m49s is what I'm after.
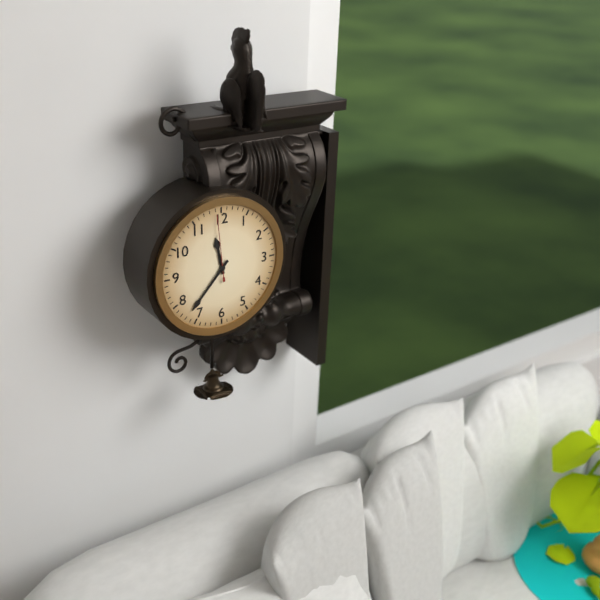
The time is 11h37m59s
